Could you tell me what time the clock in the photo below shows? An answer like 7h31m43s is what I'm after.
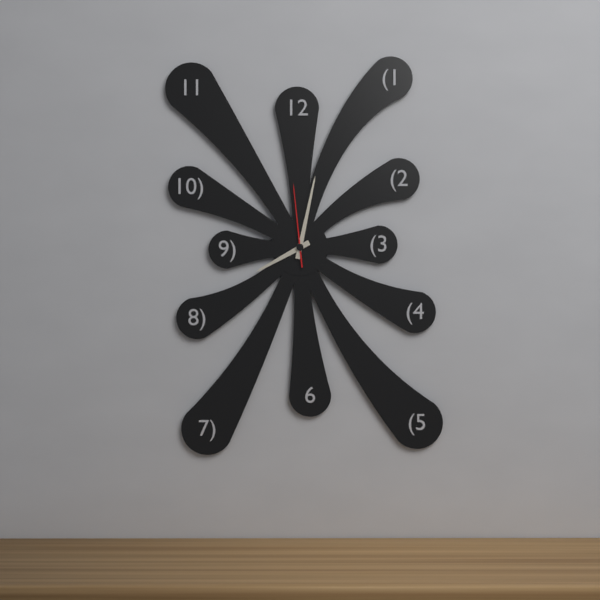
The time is 8h02m59s
